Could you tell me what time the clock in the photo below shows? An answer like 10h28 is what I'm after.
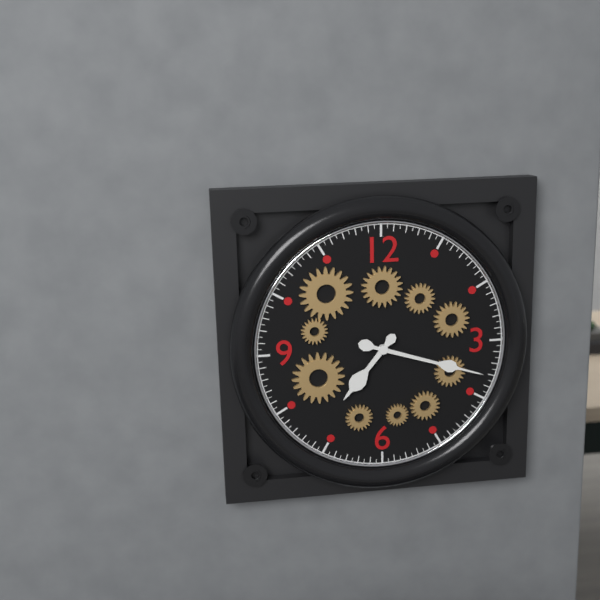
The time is 7h18
